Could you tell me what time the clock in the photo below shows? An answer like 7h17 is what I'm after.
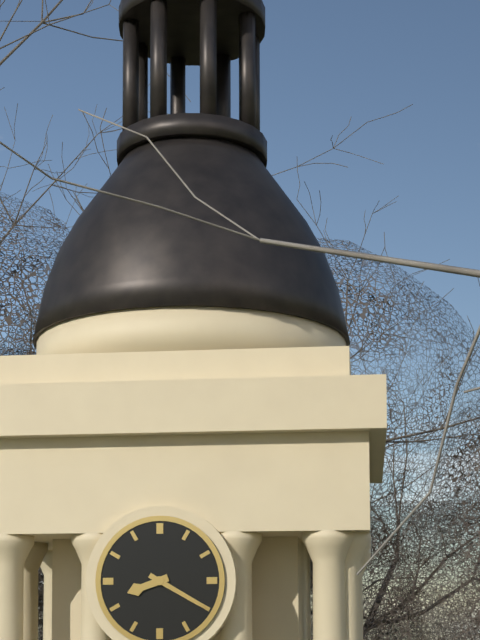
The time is 8h20
